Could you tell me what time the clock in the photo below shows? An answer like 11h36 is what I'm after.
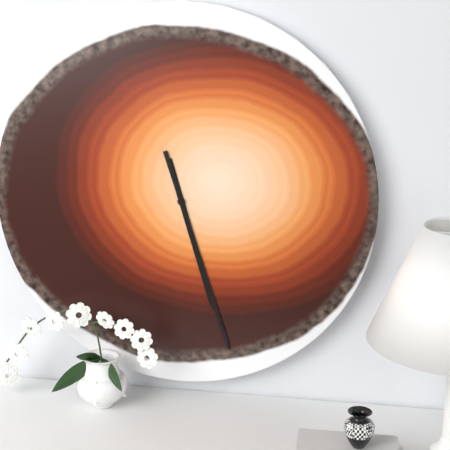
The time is 5h27
